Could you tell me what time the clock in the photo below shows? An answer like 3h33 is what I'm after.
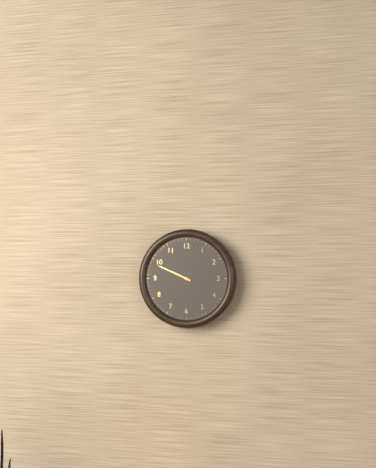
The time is 9h49
